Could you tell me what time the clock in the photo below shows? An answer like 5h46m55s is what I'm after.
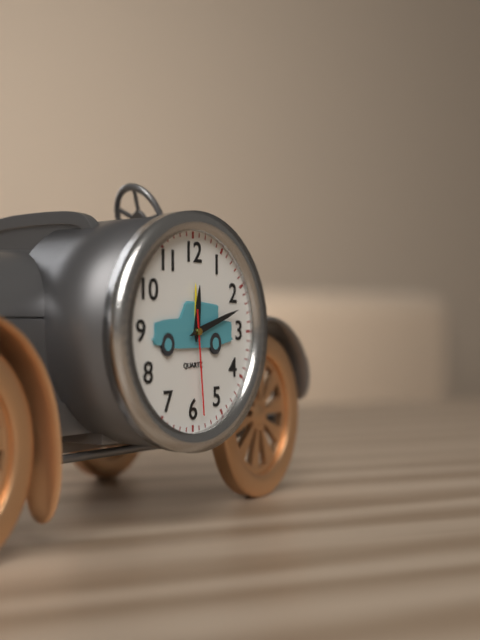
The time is 12h12m29s
